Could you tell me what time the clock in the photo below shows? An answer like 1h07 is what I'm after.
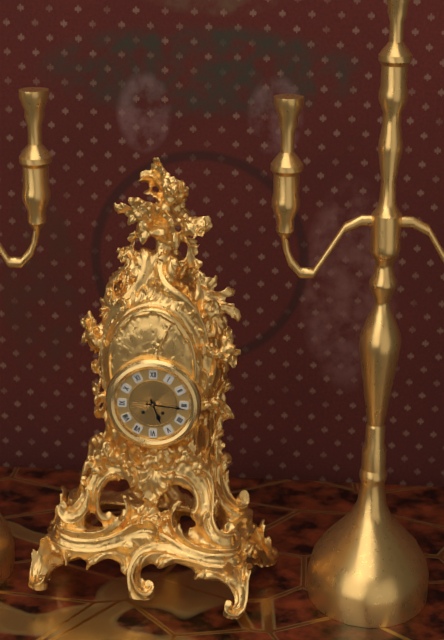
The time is 5h16
